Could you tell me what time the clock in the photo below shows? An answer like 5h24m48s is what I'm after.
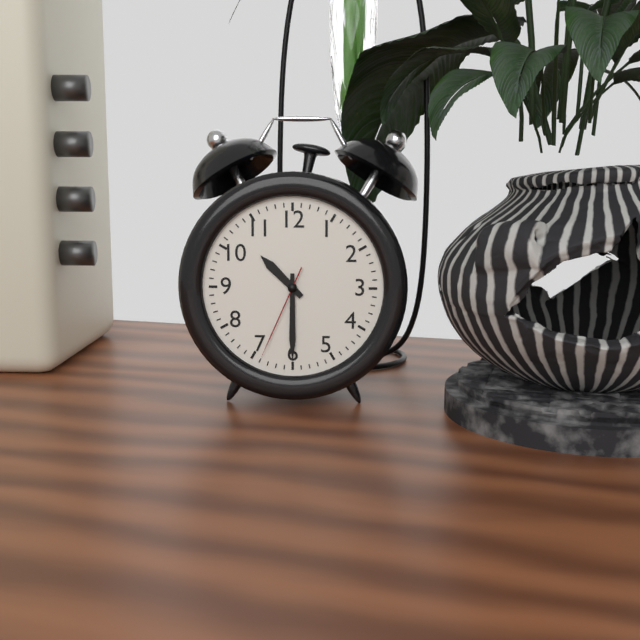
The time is 10h30m34s
